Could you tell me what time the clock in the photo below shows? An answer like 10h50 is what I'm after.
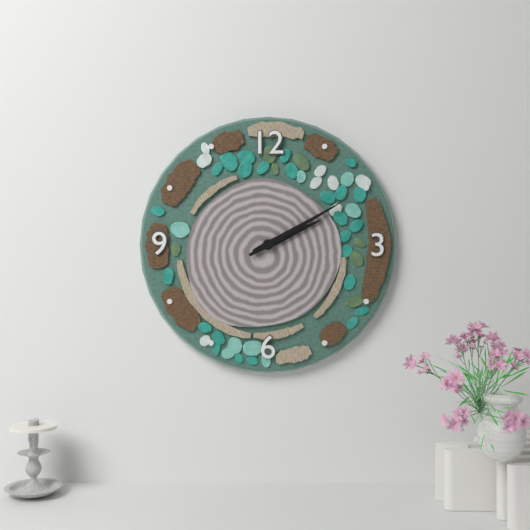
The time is 2h10
